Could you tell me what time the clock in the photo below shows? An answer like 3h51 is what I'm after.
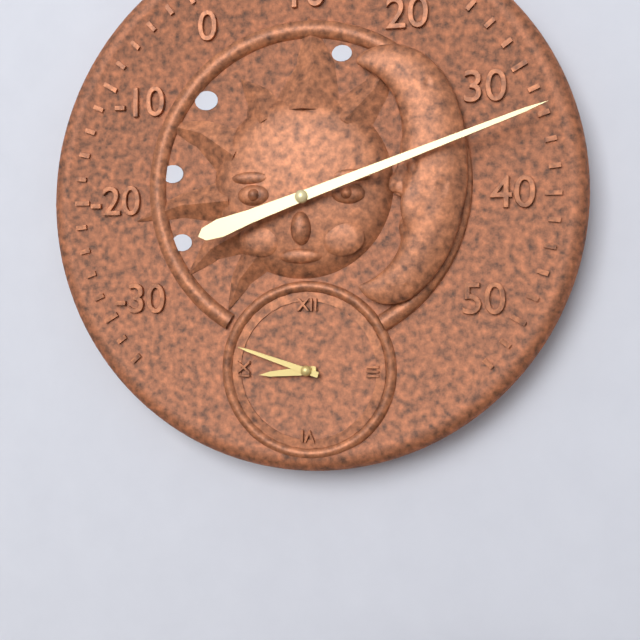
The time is 8h48
